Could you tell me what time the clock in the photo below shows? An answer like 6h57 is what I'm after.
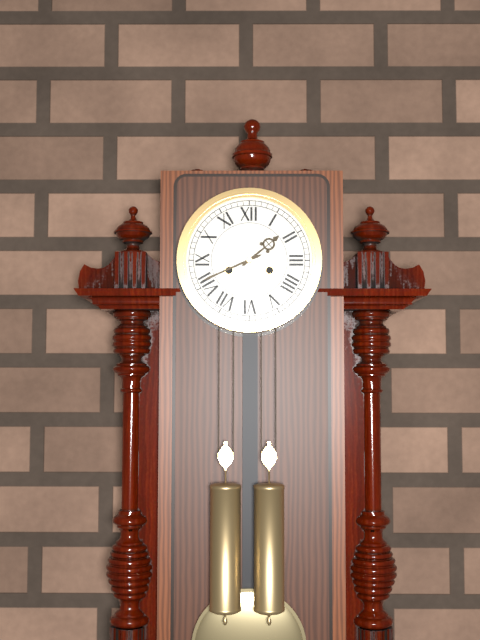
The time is 1h41
